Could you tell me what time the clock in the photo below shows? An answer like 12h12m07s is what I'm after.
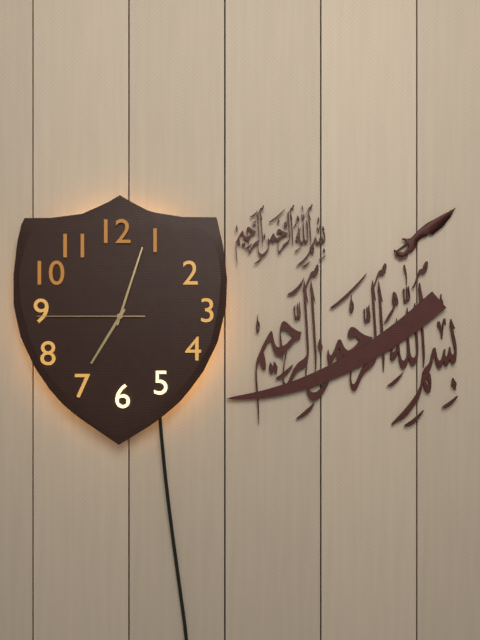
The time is 7h03m45s
